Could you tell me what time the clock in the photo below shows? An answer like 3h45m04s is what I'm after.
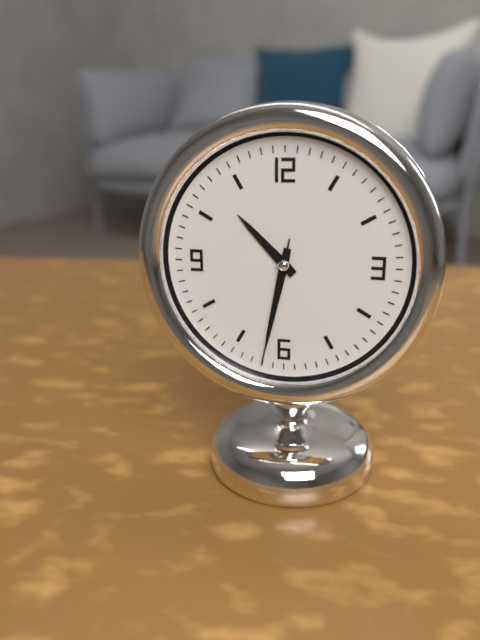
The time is 10h32m32s
